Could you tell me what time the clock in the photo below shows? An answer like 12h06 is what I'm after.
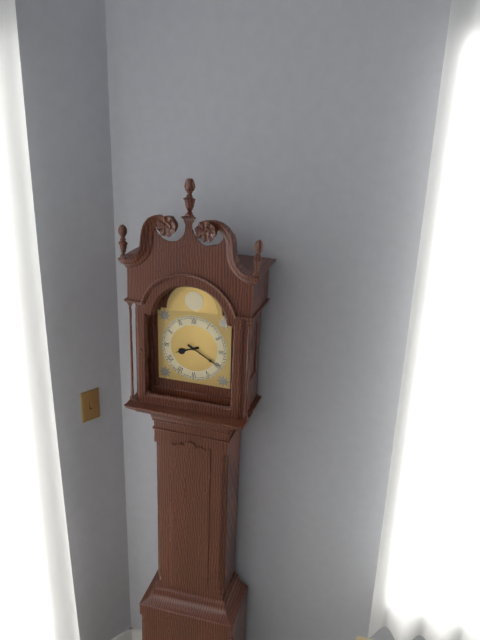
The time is 8h20
